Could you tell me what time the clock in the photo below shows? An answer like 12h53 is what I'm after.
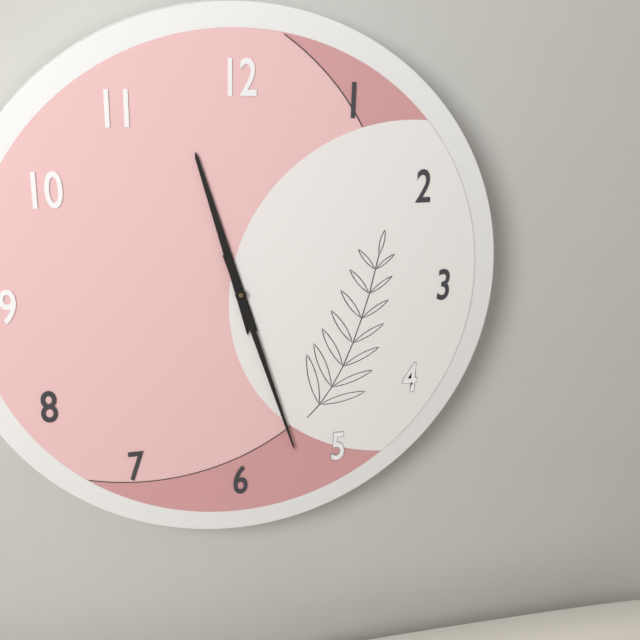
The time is 11h27
